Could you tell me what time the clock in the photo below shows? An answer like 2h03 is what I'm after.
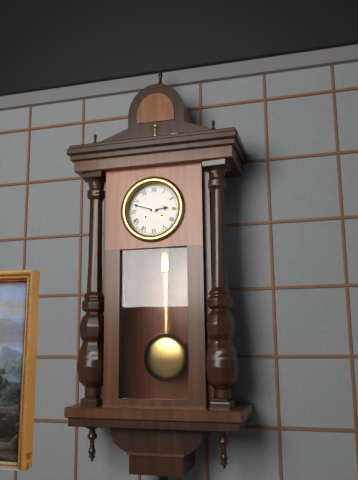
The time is 2h48
